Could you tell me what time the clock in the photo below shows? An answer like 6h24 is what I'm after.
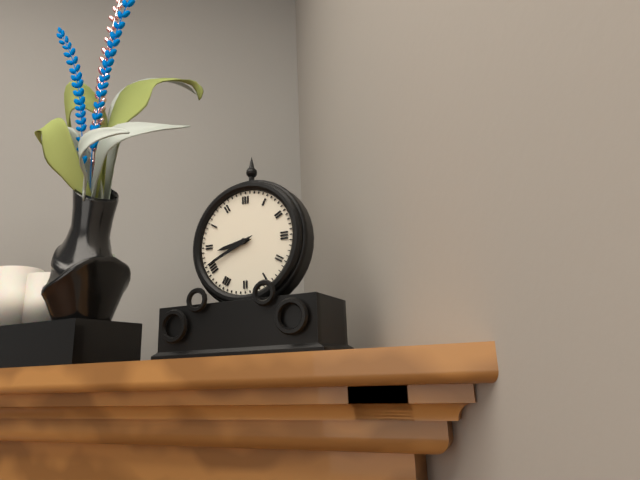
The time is 8h41
